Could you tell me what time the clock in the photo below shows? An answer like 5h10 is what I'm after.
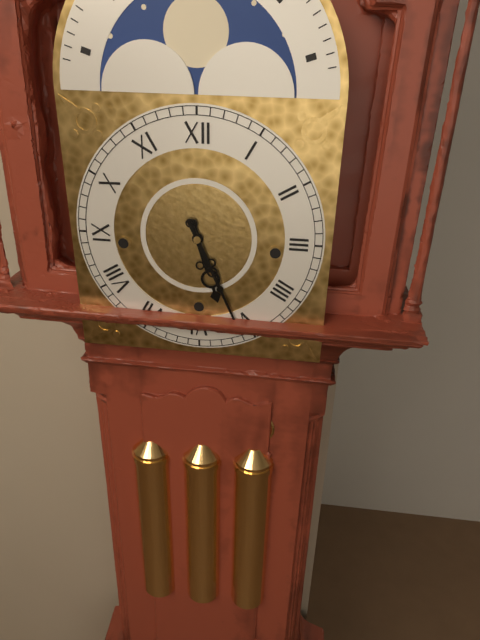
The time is 5h26
